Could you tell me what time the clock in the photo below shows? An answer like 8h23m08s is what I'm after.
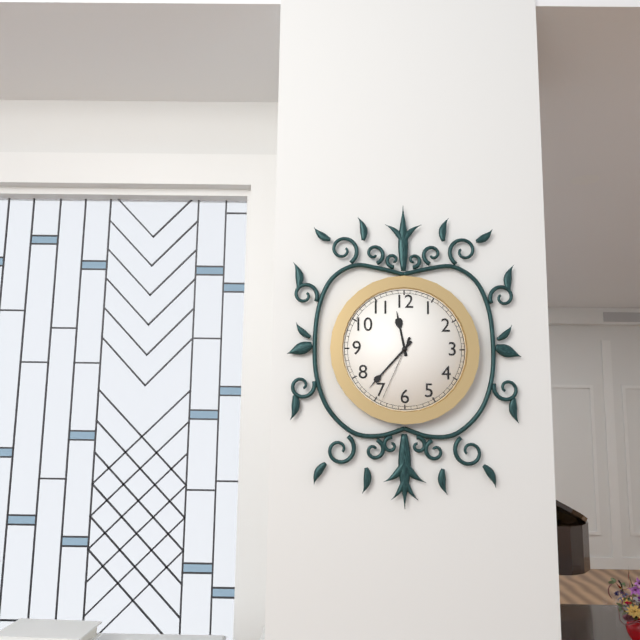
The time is 11h37m34s
